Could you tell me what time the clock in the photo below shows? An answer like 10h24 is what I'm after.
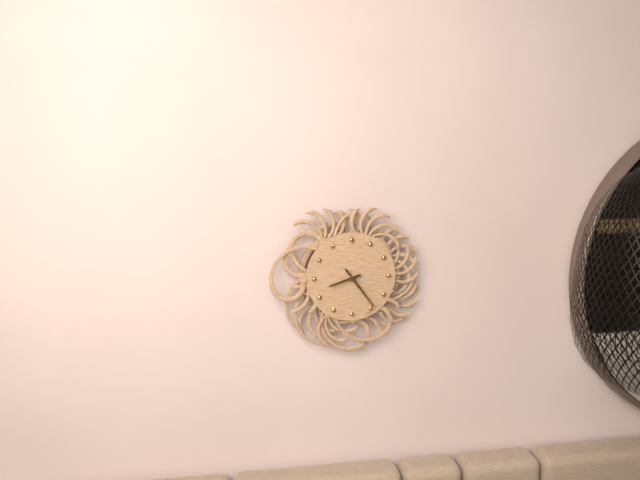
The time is 8h24
